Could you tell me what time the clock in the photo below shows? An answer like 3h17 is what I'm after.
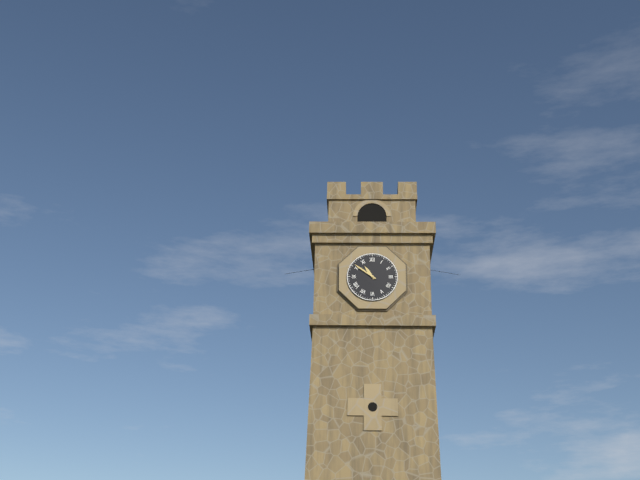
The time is 10h51
